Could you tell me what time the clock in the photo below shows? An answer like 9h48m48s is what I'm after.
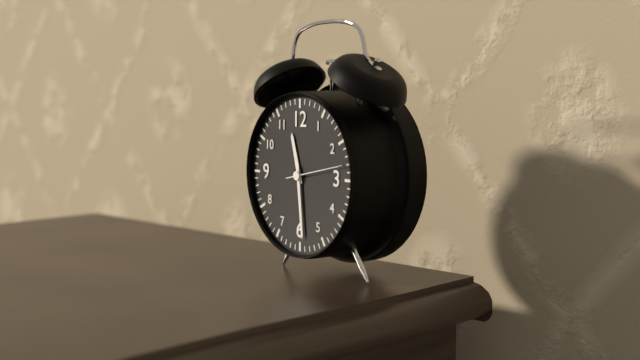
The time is 11h29m13s
